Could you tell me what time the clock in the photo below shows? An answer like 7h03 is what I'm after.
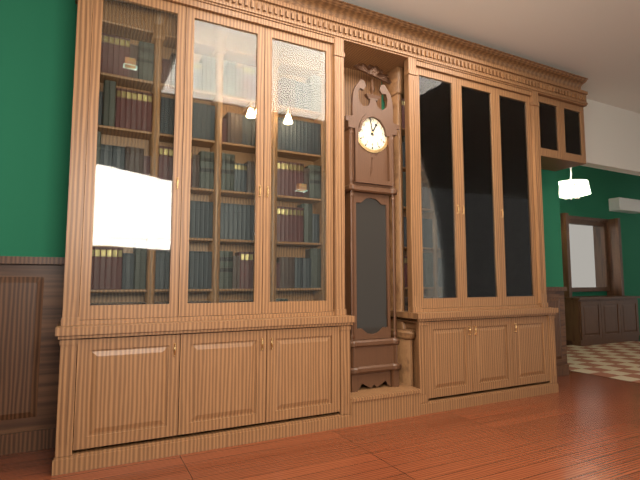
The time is 12h58
